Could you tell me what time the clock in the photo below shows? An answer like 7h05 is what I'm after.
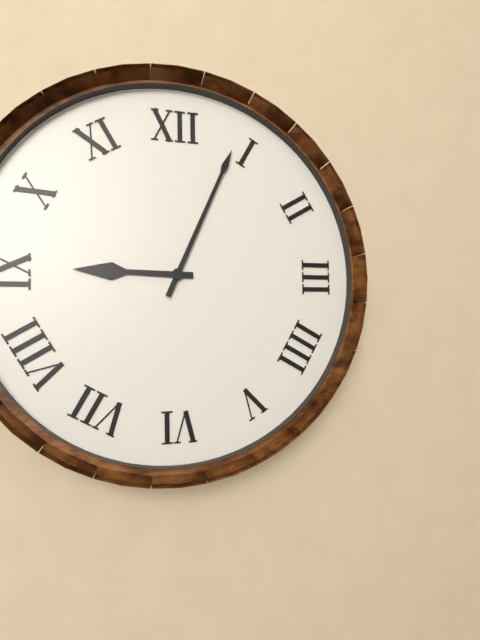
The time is 9h04
